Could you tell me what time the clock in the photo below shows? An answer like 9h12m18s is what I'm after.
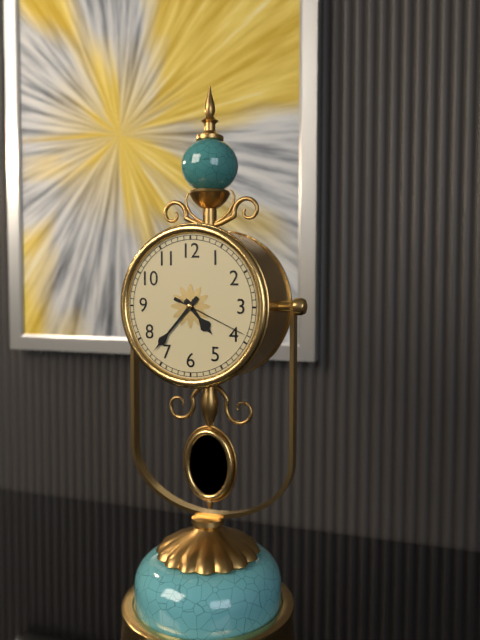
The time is 4h37m19s
